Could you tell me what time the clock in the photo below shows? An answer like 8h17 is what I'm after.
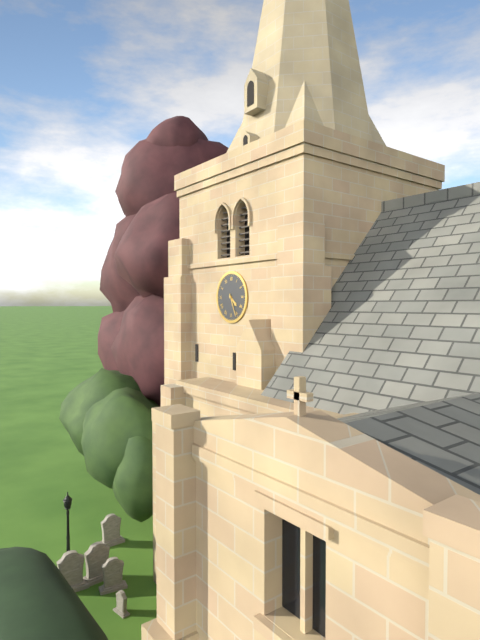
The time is 4h26
